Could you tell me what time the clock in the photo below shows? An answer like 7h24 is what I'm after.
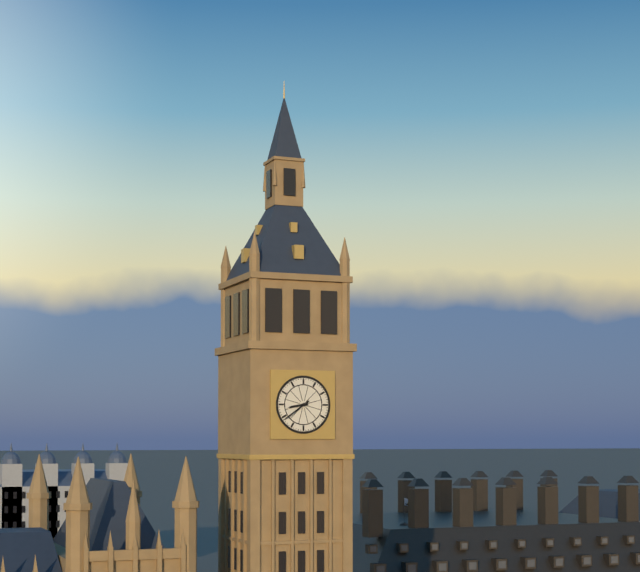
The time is 8h39
